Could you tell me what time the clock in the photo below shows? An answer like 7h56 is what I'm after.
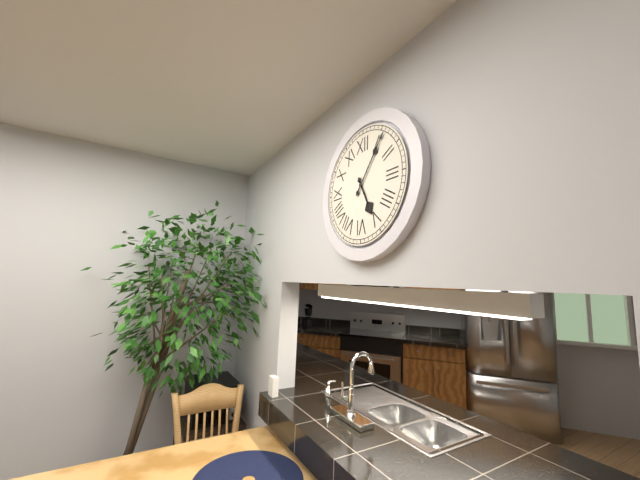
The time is 5h06
